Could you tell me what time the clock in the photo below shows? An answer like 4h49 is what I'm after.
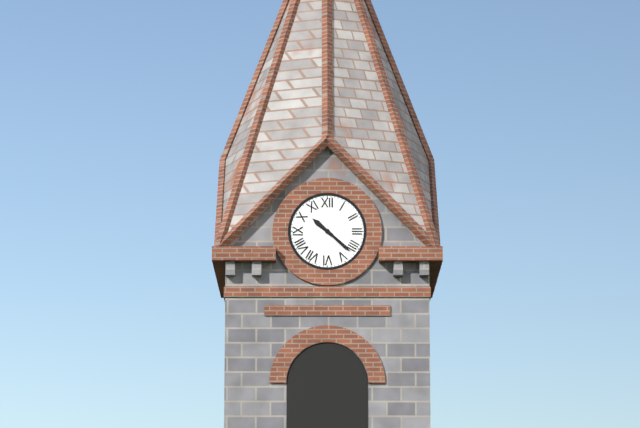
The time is 10h22
